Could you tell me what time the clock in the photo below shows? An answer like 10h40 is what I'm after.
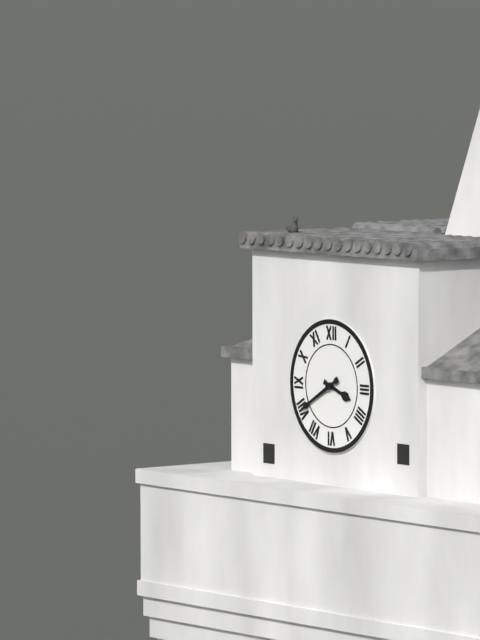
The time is 3h40
